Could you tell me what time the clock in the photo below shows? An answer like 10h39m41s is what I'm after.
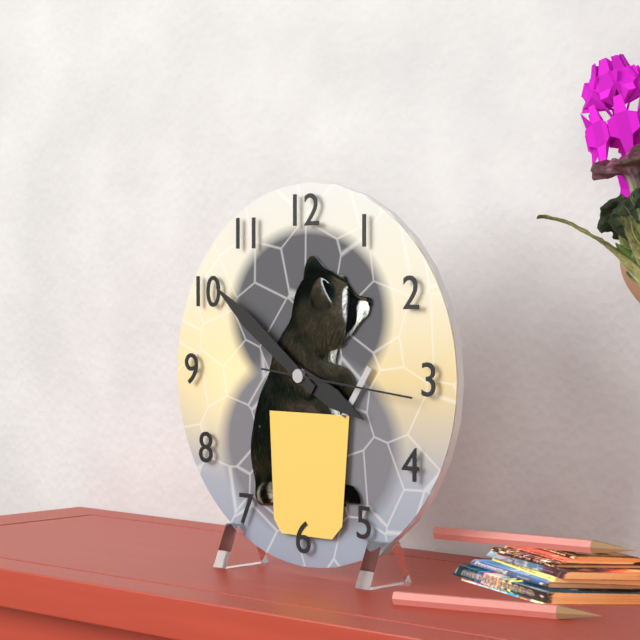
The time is 3h51m16s
